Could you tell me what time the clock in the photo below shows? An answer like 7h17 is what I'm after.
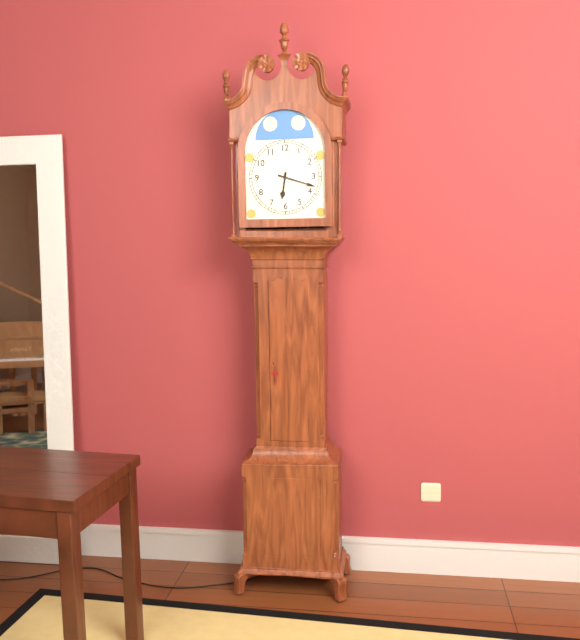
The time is 6h18
